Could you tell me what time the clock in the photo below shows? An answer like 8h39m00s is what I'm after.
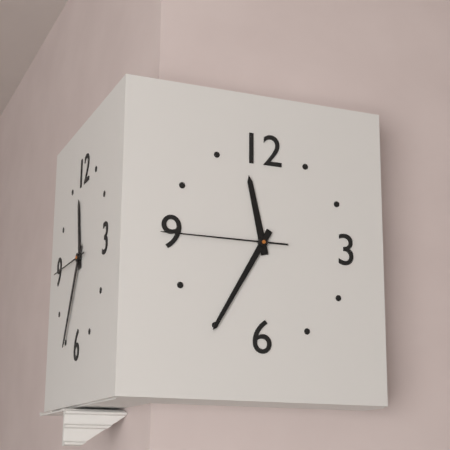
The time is 11h35m45s
